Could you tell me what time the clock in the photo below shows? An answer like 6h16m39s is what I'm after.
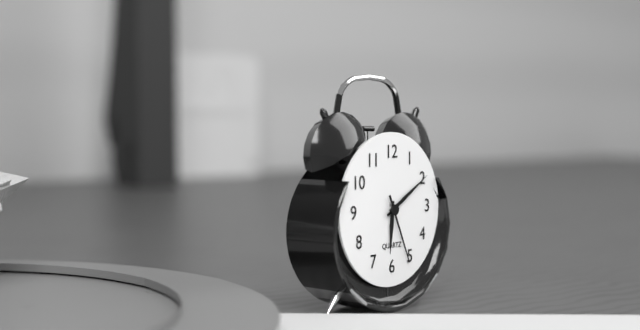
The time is 6h10m26s
